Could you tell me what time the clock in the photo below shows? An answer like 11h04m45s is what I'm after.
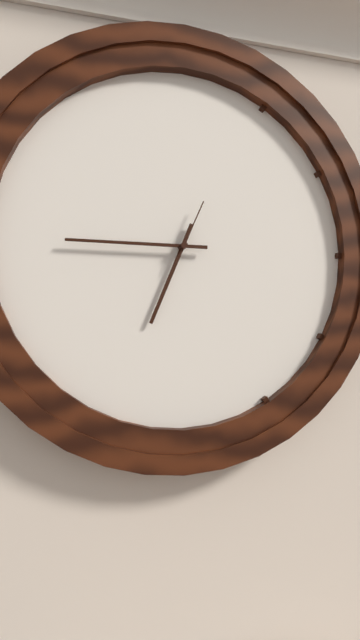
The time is 6h45m04s
